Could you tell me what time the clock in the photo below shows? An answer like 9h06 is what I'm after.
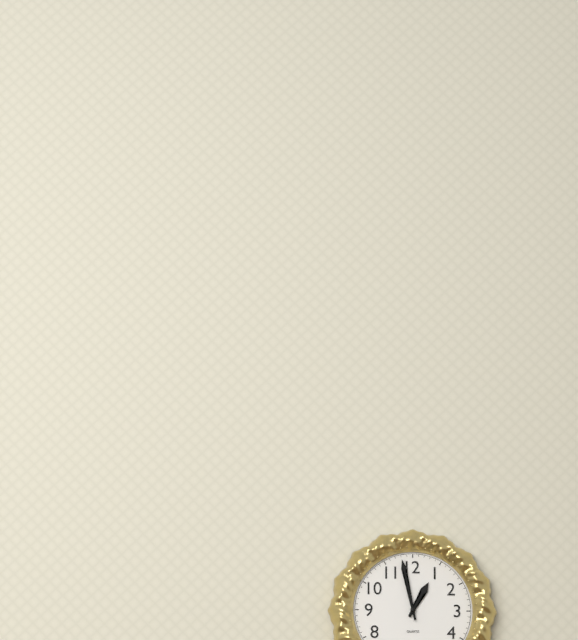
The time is 12h58
